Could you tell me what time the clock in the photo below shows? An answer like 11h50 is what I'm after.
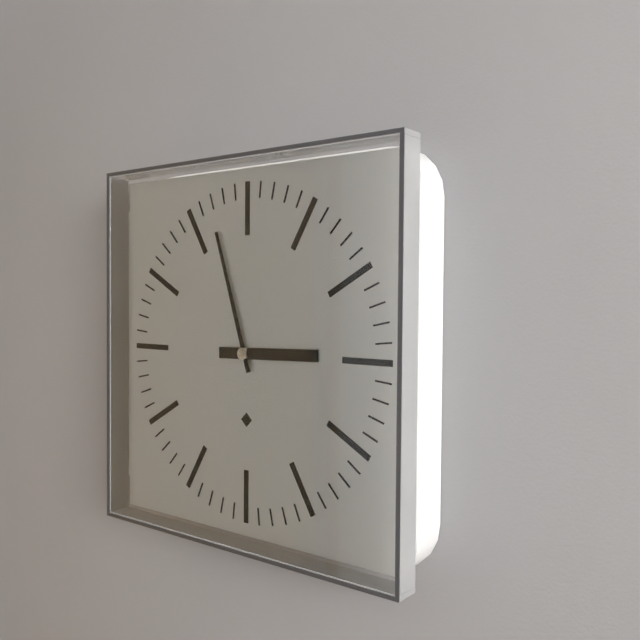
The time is 2h57
